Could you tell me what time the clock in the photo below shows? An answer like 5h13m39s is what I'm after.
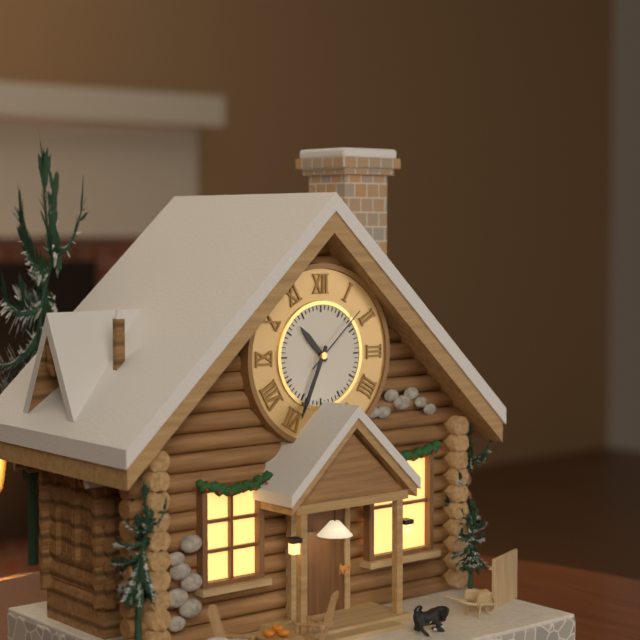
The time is 10h34m08s
